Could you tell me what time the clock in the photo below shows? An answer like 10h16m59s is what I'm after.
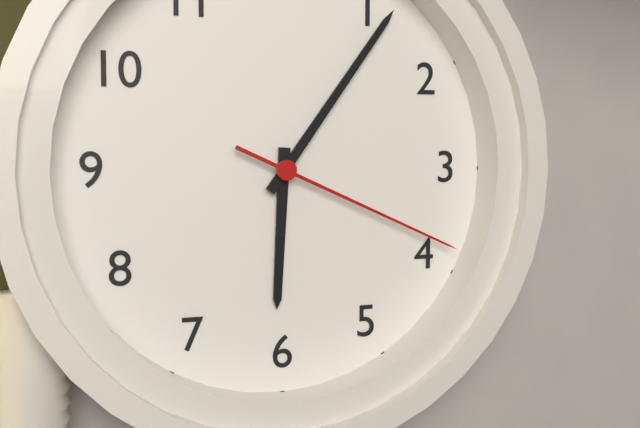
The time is 6h06m19s
